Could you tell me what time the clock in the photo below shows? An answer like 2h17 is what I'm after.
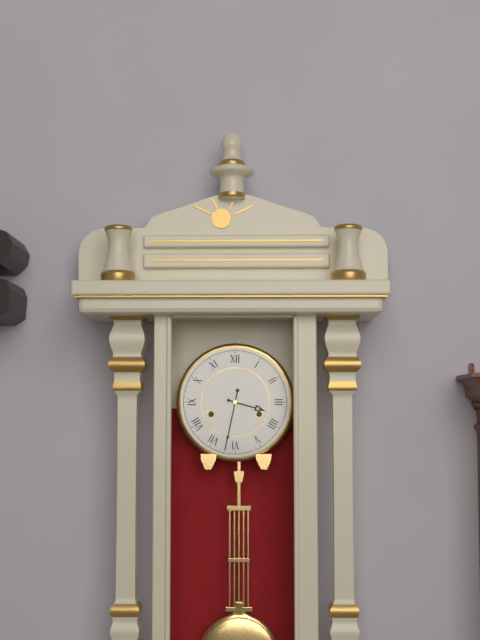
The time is 3h32
